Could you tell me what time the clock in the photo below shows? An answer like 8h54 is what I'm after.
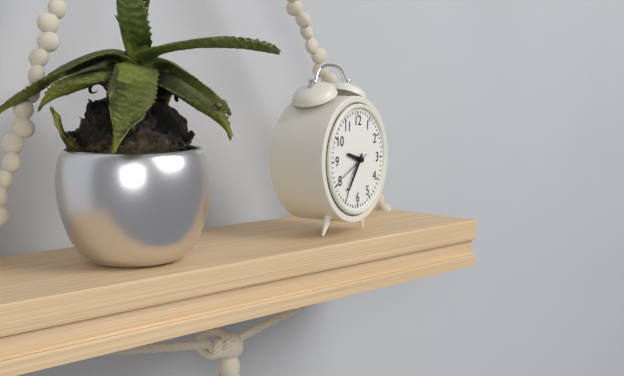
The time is 9h36
